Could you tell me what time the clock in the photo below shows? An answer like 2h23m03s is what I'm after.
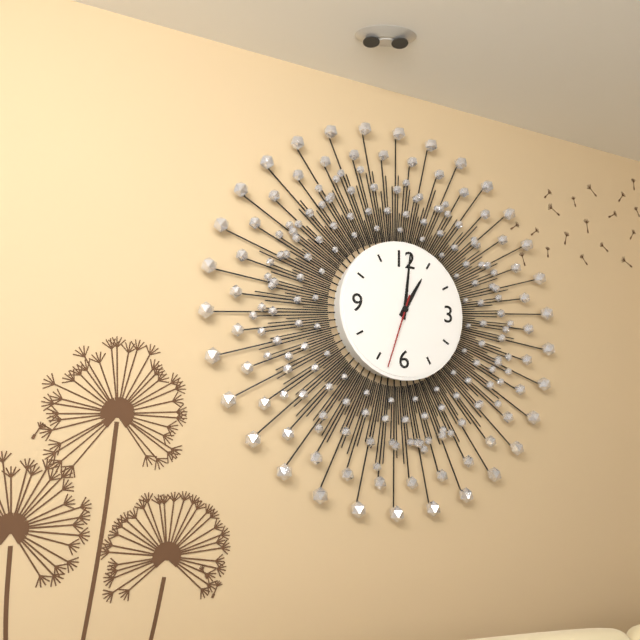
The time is 1h01m33s
